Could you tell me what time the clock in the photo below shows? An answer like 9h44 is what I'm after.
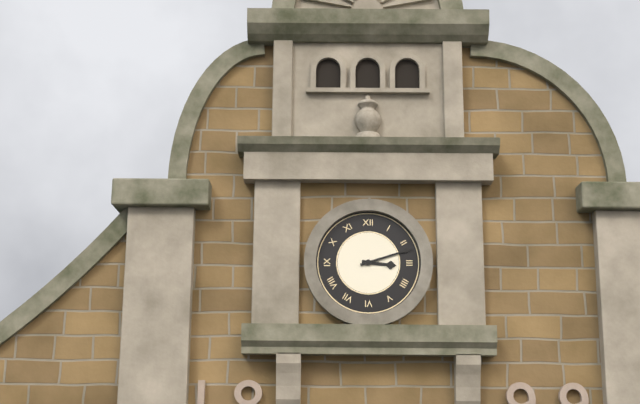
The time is 3h12
